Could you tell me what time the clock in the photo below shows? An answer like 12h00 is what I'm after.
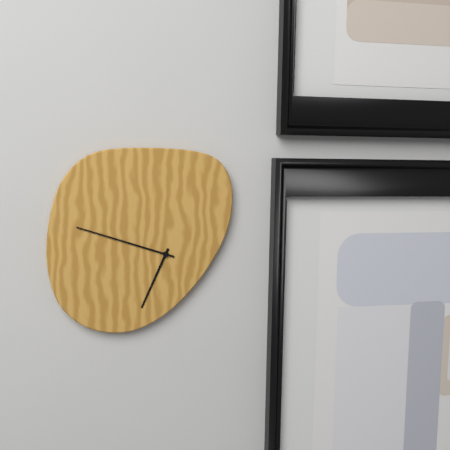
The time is 6h48
